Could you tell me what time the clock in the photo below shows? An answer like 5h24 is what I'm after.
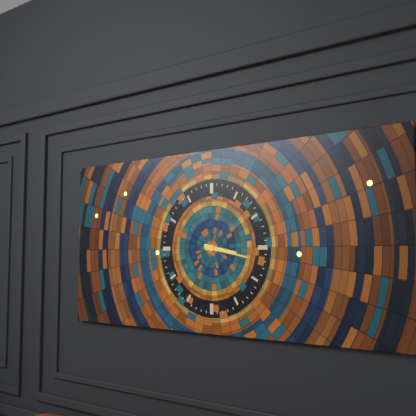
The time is 3h17
